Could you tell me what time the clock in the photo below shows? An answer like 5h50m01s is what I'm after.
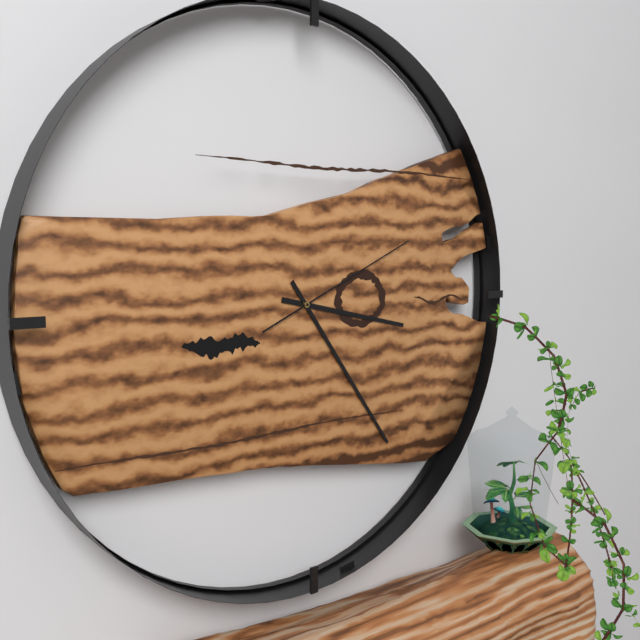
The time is 3h24m11s
